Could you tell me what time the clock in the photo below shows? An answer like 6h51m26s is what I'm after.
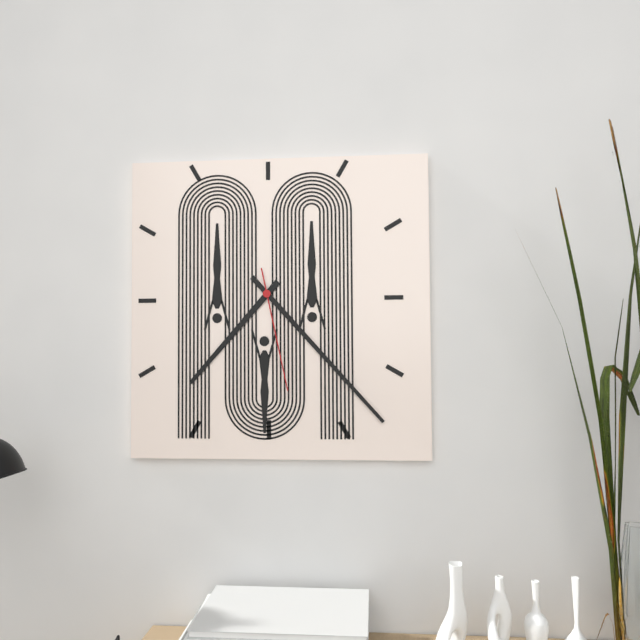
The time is 7h23m28s
